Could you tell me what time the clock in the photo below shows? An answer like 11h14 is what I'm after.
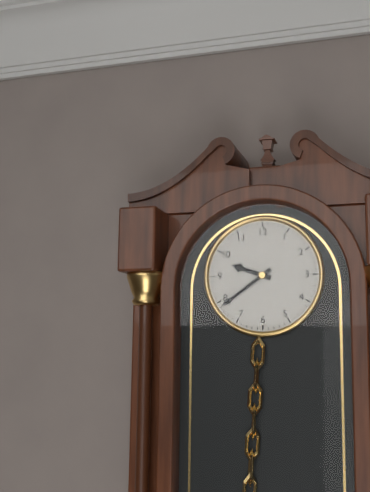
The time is 9h39
